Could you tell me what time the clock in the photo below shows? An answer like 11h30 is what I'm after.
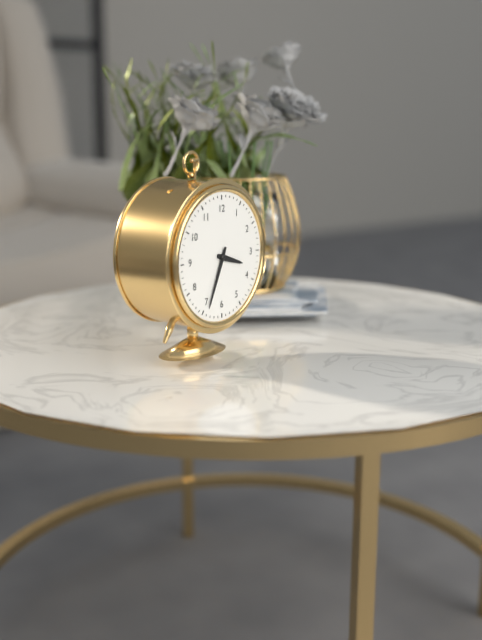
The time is 3h34
